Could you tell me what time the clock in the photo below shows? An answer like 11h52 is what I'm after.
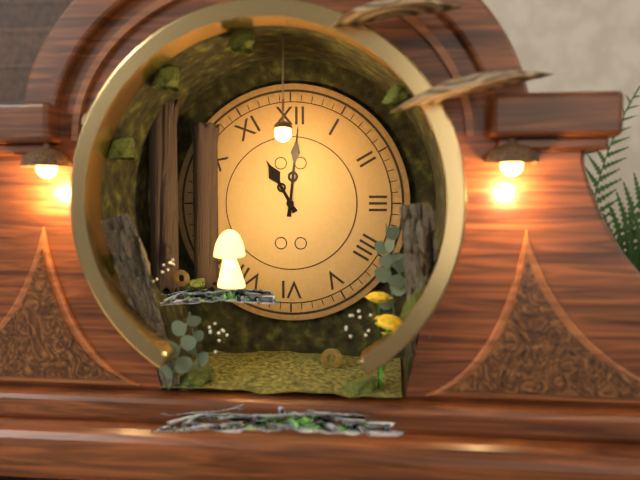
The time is 11h01
